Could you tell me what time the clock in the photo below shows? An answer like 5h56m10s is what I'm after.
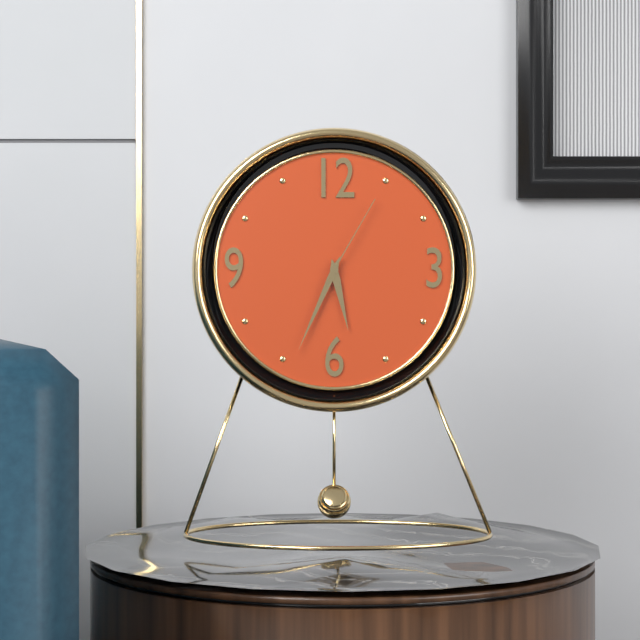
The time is 5h34m05s
